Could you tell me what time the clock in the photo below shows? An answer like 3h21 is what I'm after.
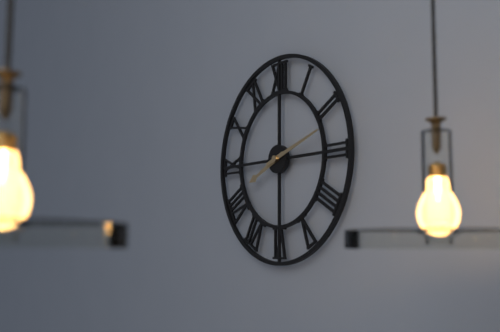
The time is 8h12
